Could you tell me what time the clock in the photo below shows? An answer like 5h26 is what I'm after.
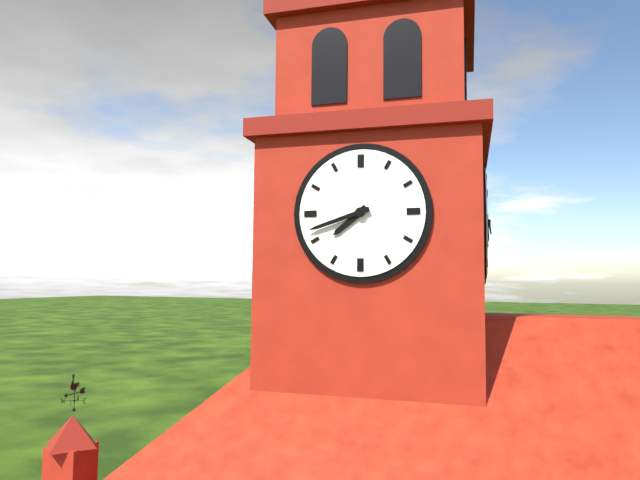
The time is 7h42
